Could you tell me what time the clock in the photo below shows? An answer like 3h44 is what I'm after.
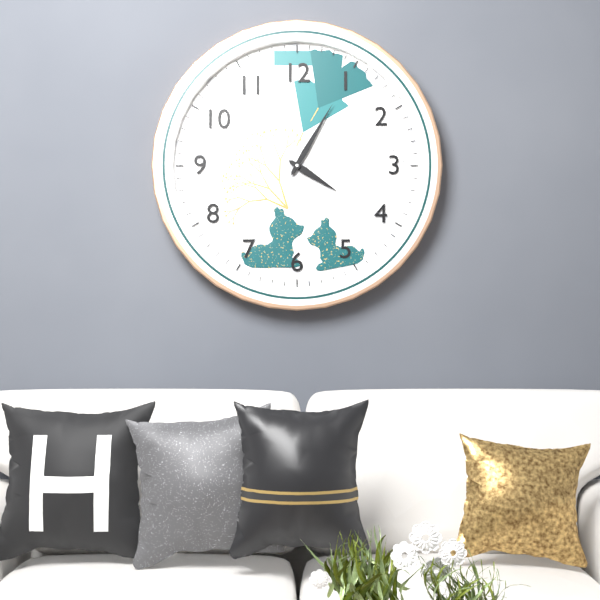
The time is 4h05
